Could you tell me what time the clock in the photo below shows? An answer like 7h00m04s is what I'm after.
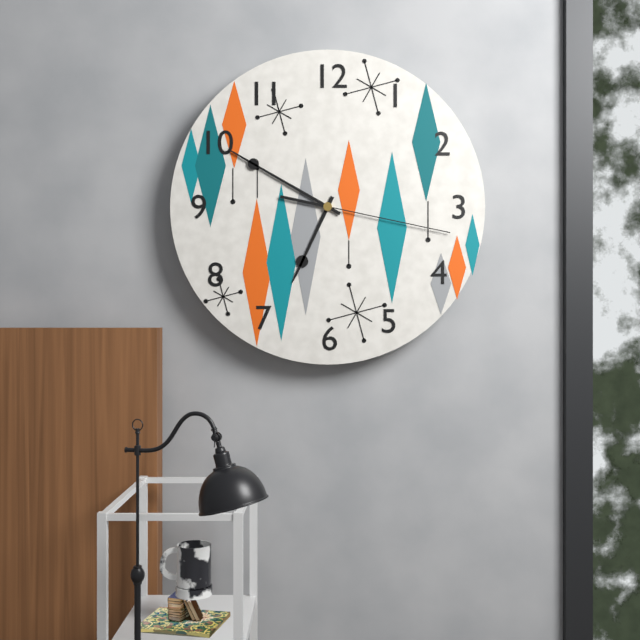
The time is 6h50m17s
